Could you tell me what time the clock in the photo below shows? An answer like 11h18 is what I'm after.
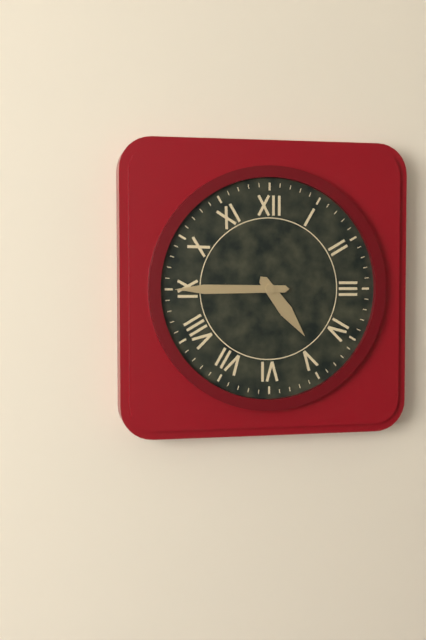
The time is 4h45
